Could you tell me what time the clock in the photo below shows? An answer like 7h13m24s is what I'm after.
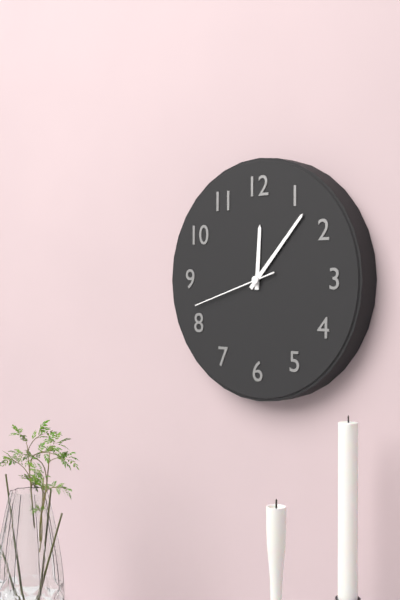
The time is 12h07m42s
